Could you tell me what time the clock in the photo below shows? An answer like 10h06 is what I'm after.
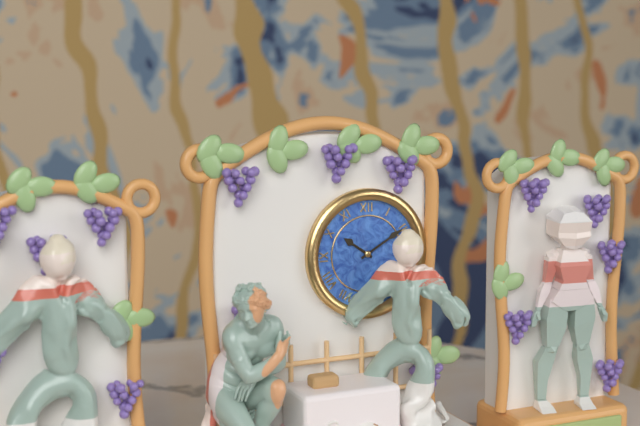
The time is 10h10
